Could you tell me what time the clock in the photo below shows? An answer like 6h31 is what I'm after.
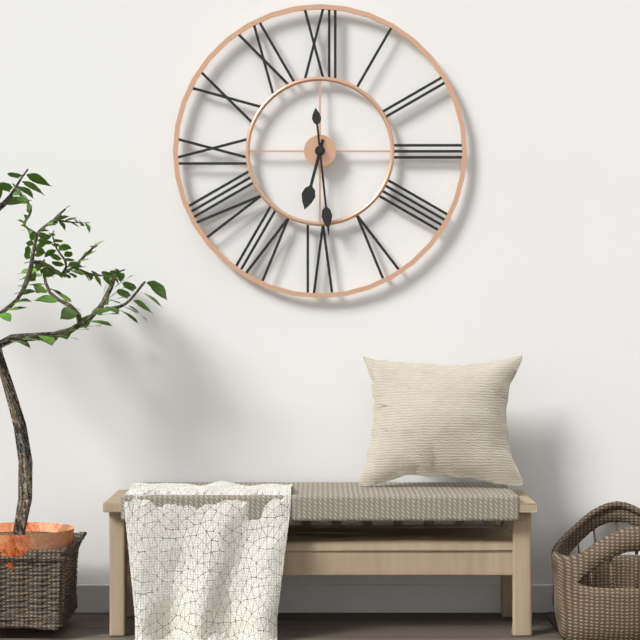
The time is 6h29
